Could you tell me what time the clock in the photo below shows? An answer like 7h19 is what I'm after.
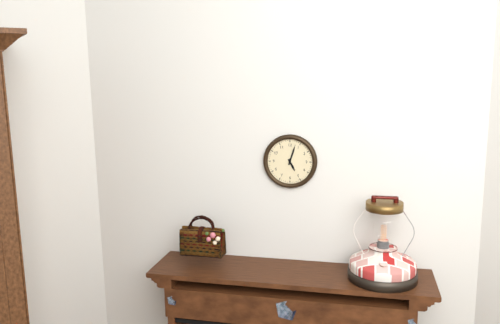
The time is 5h03
